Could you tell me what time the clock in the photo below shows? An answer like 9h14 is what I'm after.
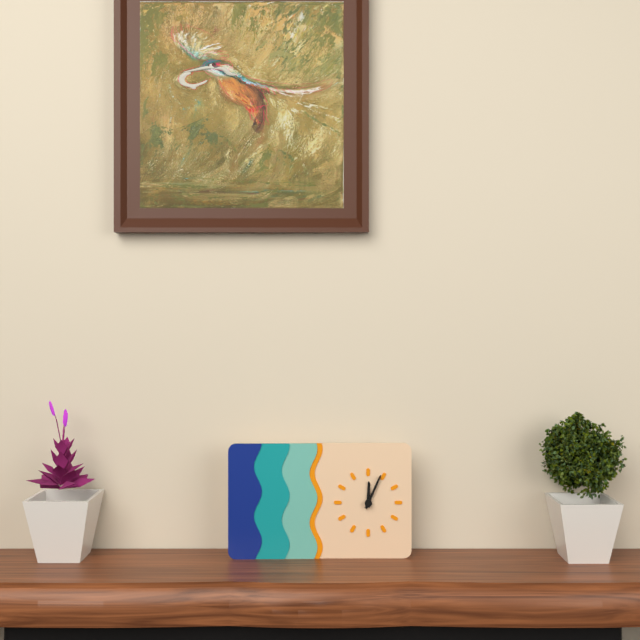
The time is 12h04
